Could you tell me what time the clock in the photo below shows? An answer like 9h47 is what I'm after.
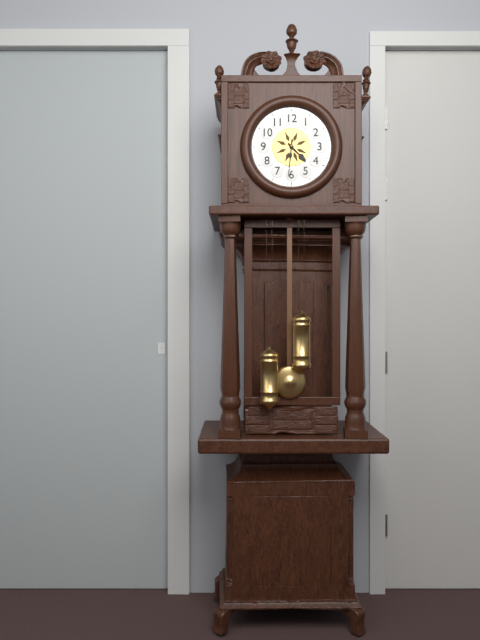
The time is 4h31
